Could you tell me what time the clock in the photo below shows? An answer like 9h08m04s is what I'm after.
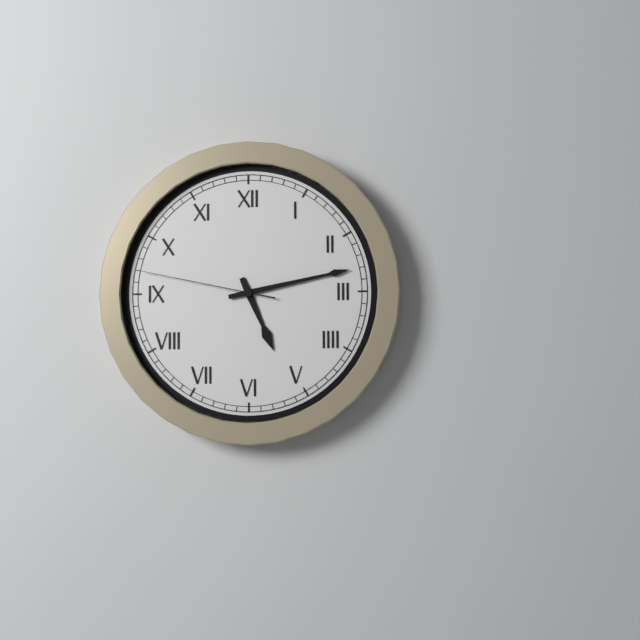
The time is 5h13m47s
